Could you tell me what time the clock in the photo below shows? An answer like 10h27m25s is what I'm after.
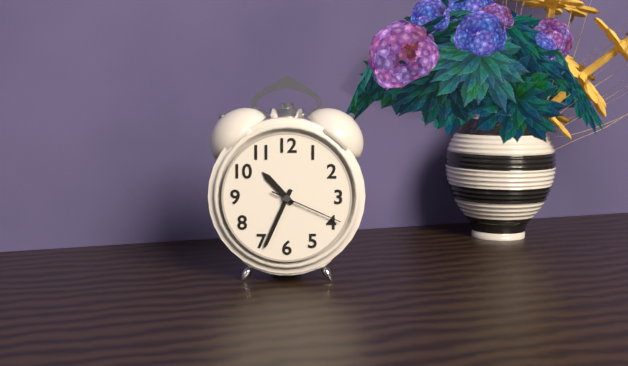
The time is 10h34m19s
